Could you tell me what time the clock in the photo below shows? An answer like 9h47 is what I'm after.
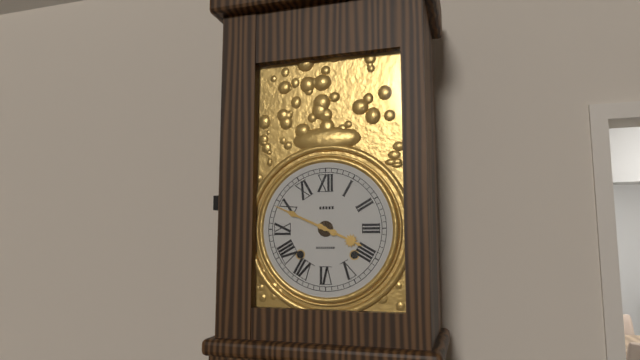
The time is 3h49
